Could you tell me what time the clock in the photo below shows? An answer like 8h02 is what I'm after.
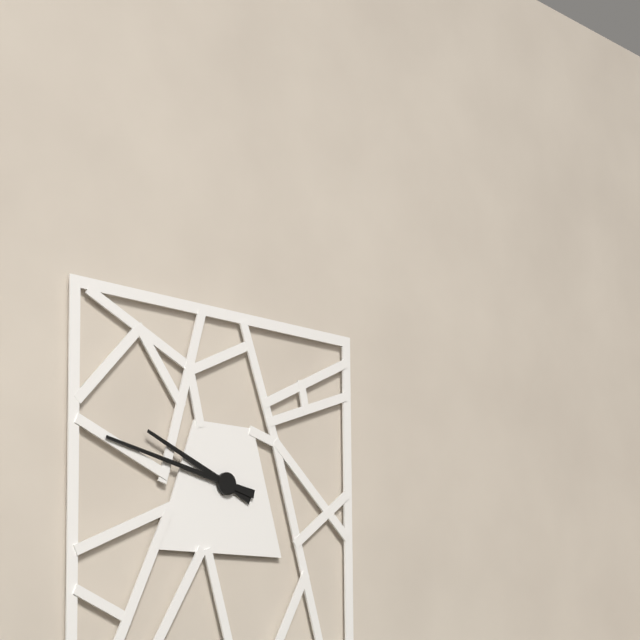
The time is 9h47
